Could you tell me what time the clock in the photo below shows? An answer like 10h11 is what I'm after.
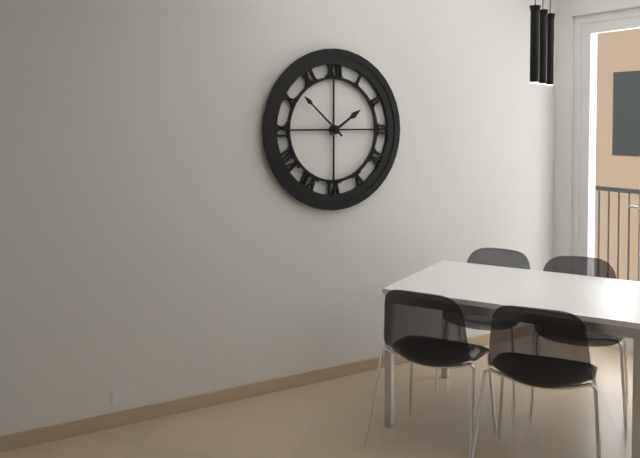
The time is 1h52
